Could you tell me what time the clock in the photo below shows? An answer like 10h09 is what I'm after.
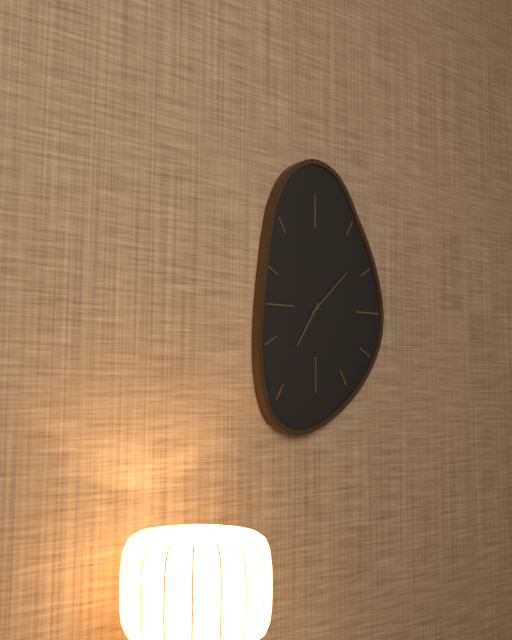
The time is 7h08
